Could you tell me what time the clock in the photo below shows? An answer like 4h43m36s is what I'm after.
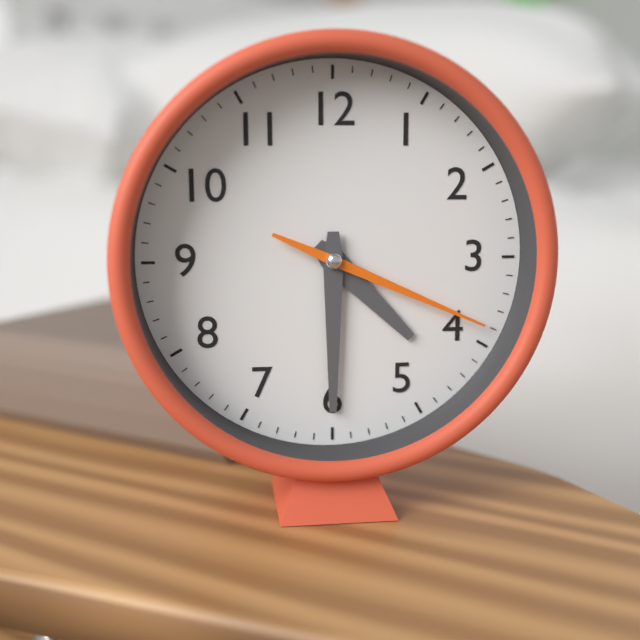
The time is 4h30m19s
